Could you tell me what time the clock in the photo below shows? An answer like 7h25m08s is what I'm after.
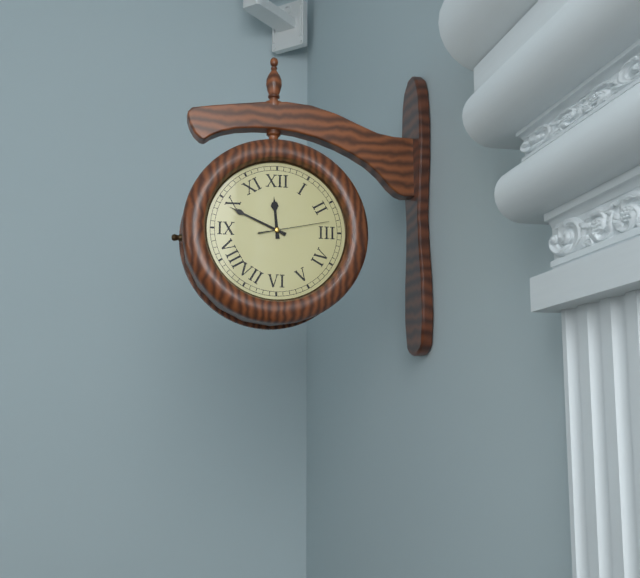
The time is 11h49m13s
